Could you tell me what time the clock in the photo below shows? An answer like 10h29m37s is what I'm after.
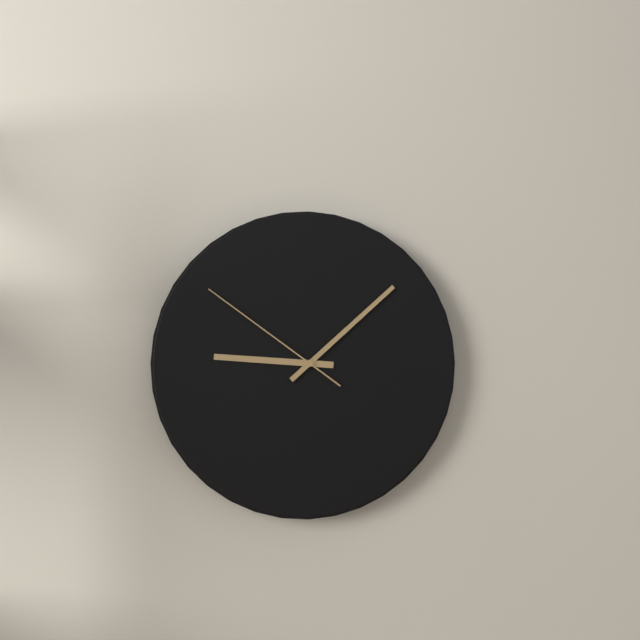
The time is 9h08m51s
